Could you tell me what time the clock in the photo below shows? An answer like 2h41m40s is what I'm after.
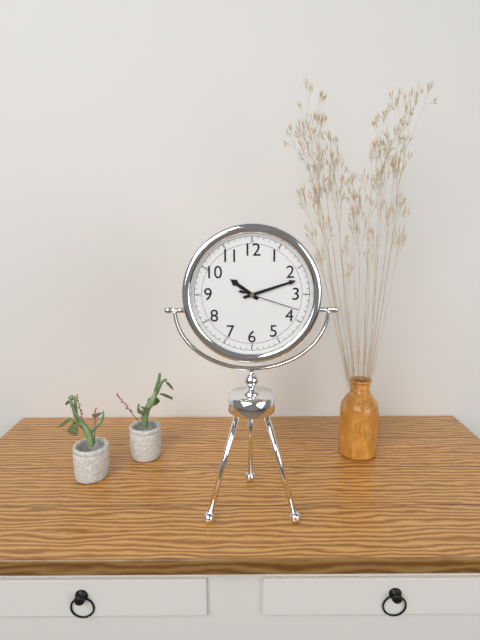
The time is 10h12m18s
